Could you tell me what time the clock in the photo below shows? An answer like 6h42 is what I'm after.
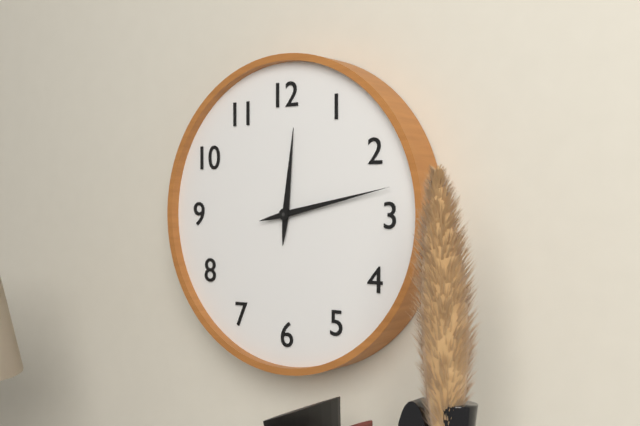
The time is 12h13
